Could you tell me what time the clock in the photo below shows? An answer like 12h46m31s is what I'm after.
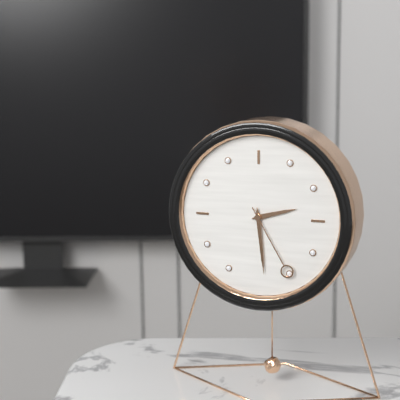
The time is 2h29m25s
